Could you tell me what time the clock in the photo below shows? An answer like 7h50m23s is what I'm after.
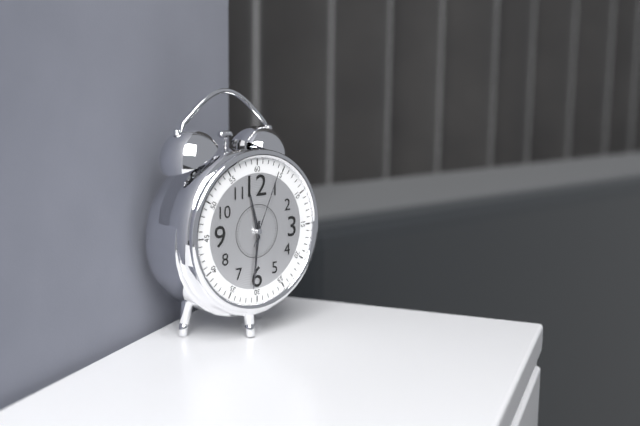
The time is 11h31m04s
